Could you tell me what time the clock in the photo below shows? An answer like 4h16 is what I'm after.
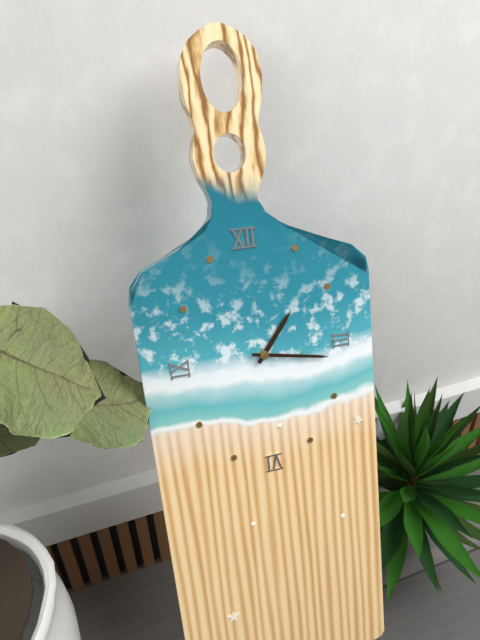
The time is 1h17
